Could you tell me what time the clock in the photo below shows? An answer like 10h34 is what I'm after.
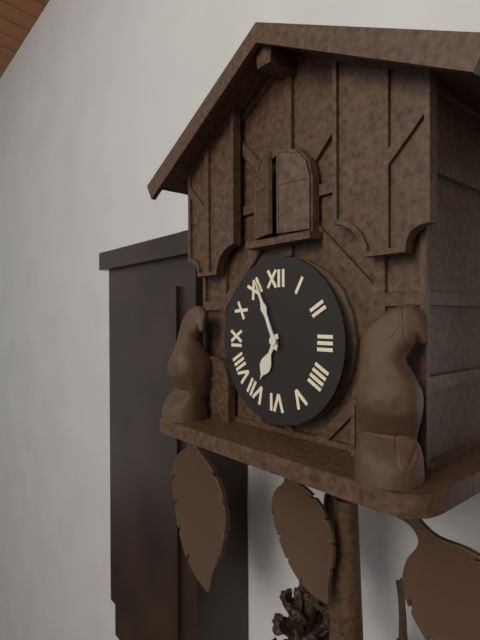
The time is 6h56
